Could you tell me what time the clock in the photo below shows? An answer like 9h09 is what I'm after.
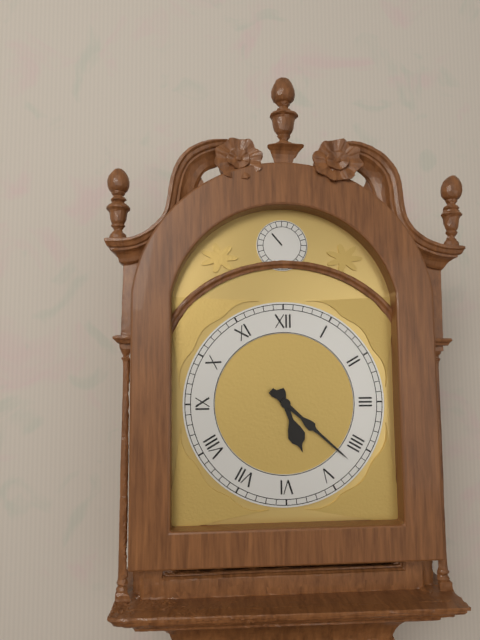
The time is 5h22
